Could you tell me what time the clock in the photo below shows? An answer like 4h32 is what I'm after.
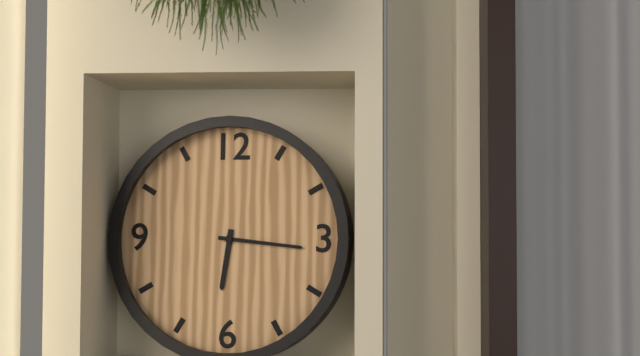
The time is 6h16
